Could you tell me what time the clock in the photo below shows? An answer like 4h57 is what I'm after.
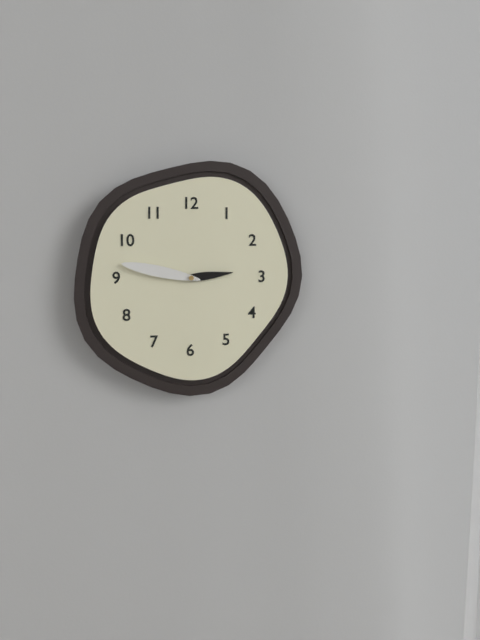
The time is 2h47
